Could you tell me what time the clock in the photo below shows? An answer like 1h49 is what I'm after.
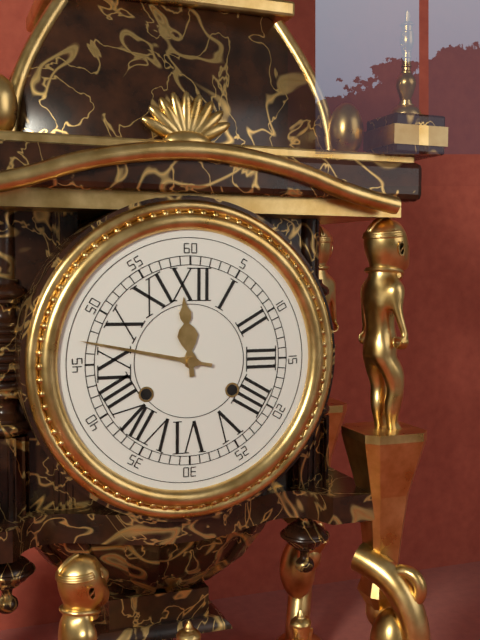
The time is 11h47
